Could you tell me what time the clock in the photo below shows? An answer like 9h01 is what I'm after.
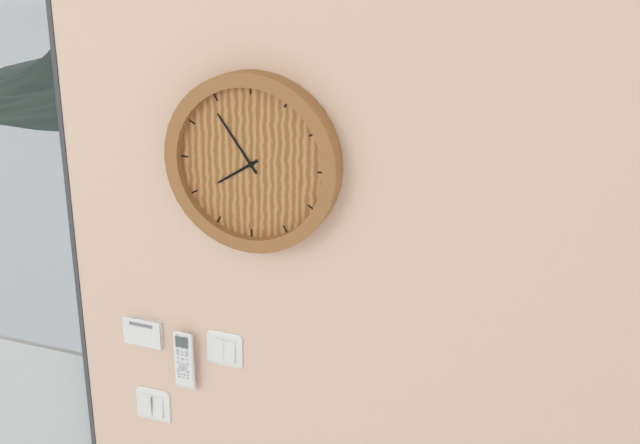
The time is 7h54
